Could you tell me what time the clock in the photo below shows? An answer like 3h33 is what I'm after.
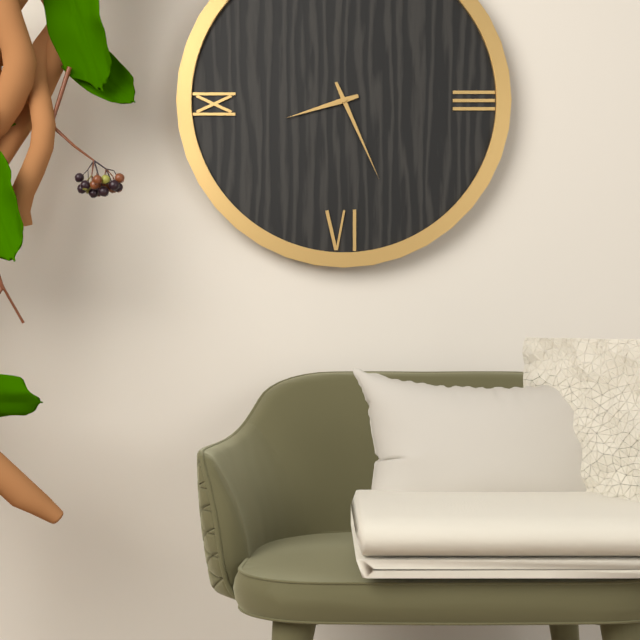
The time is 8h26
